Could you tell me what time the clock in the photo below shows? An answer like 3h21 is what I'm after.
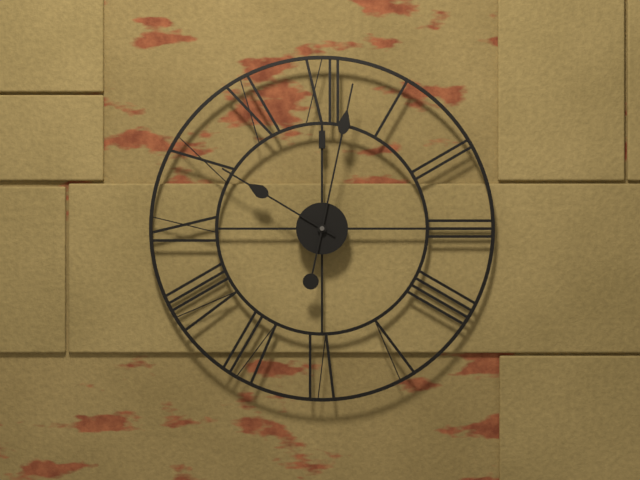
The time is 10h02
